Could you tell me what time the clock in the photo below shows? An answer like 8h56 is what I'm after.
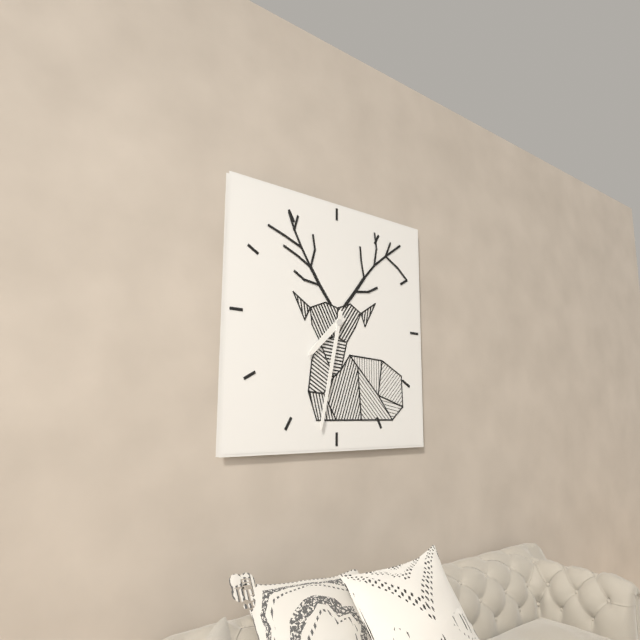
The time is 7h32
